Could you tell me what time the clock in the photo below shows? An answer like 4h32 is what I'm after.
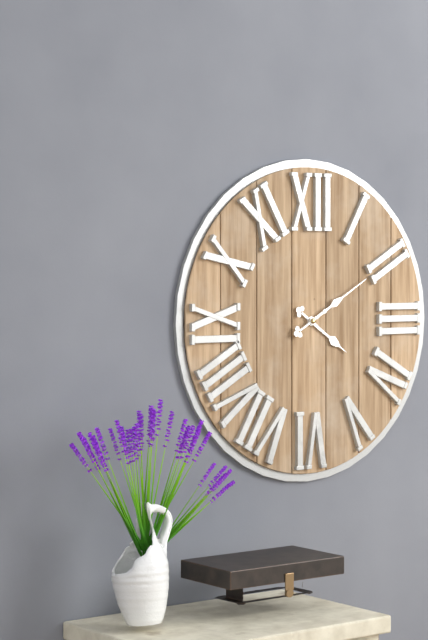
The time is 4h10
